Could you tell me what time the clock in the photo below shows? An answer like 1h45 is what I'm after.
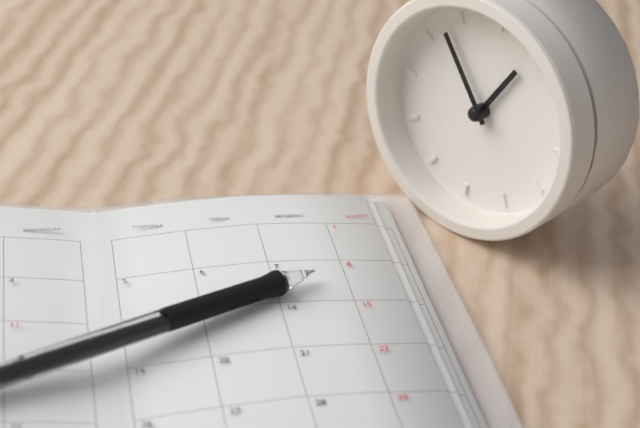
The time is 12h53
